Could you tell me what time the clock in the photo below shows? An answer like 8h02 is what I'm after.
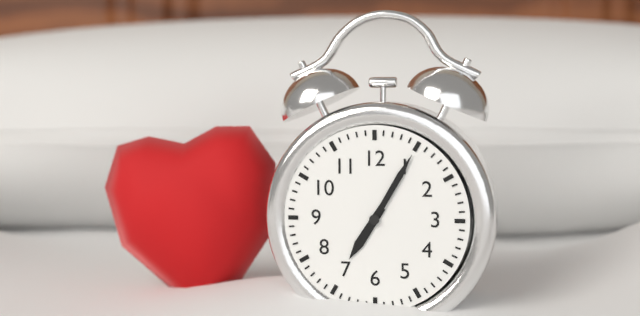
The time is 7h05
